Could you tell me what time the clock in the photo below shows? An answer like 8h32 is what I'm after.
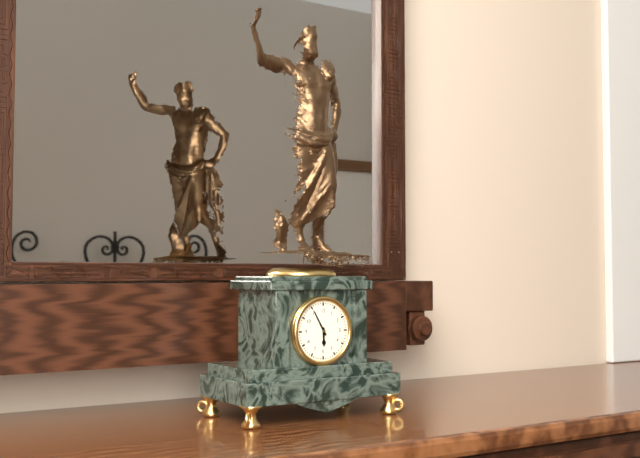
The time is 5h55
